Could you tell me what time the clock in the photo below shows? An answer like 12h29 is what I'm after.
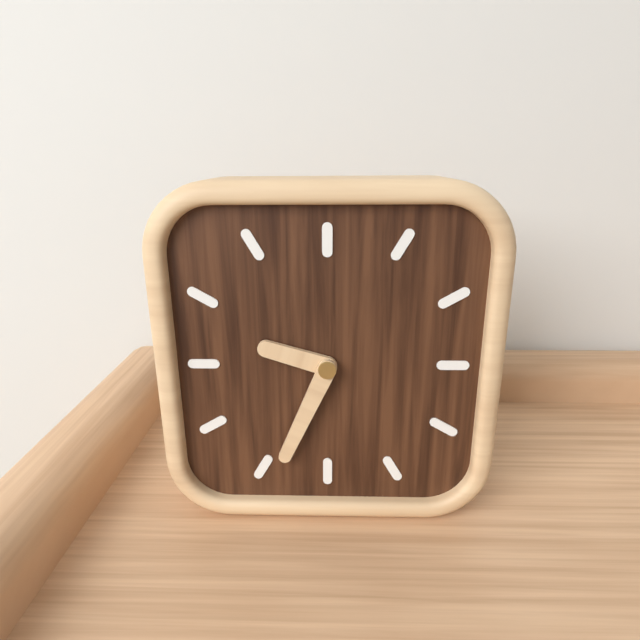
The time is 9h34
